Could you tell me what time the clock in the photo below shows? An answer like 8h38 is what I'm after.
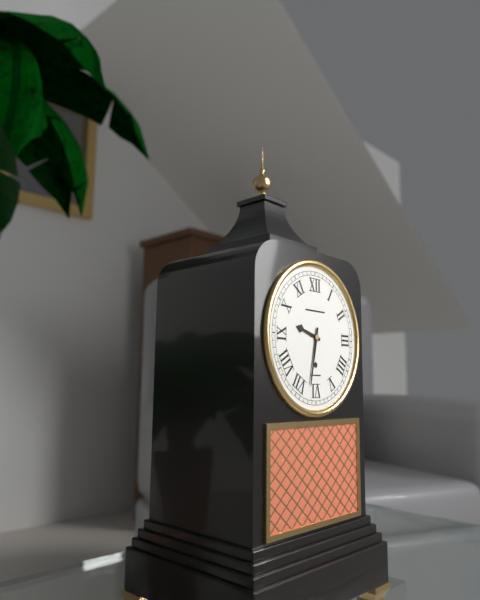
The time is 9h32
